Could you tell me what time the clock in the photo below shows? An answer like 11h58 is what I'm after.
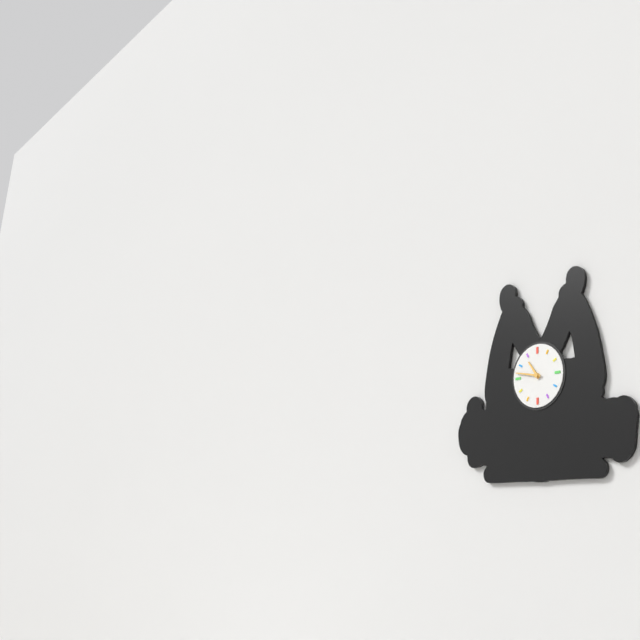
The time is 10h47
